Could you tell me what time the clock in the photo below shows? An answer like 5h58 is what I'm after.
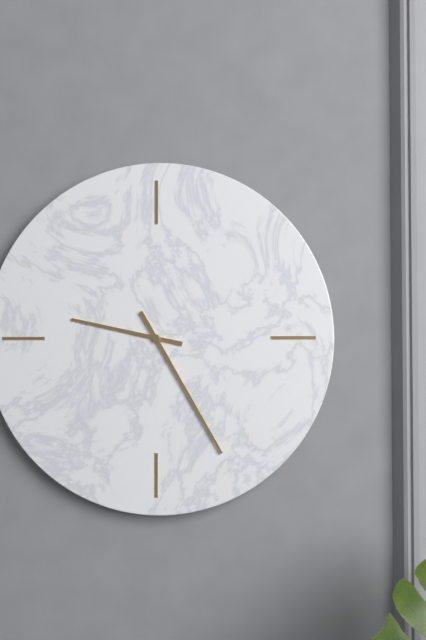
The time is 9h25
